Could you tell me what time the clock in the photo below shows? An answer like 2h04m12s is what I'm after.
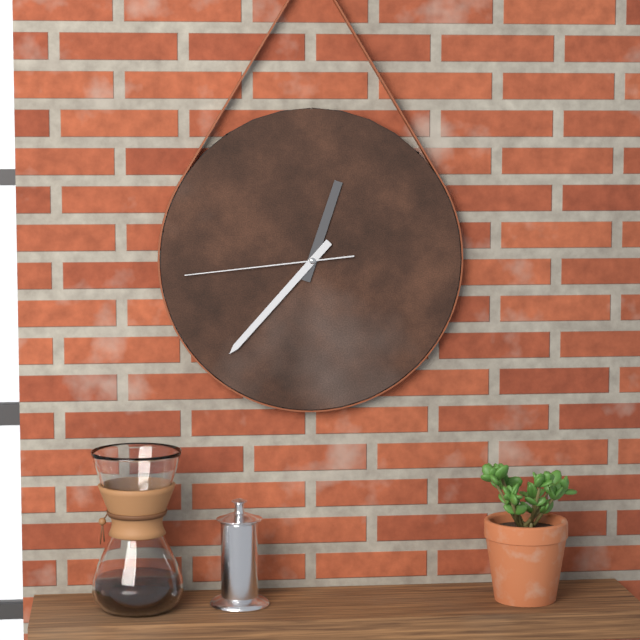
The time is 12h37m44s
